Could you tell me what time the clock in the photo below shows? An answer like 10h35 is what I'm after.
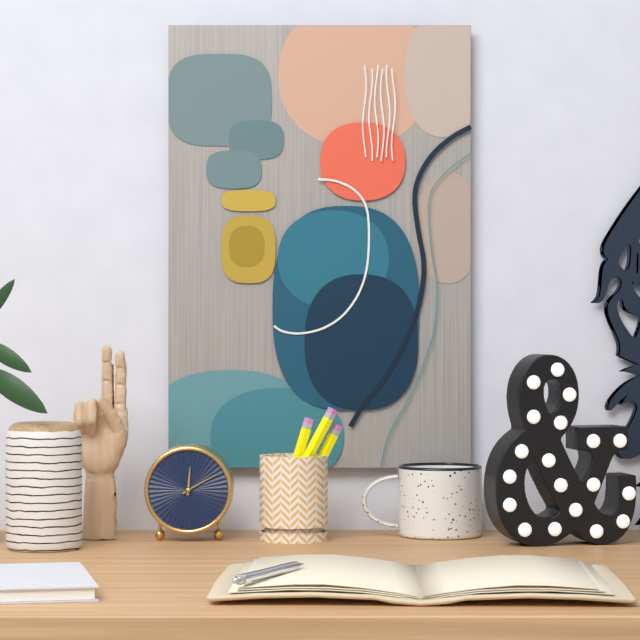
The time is 12h10
